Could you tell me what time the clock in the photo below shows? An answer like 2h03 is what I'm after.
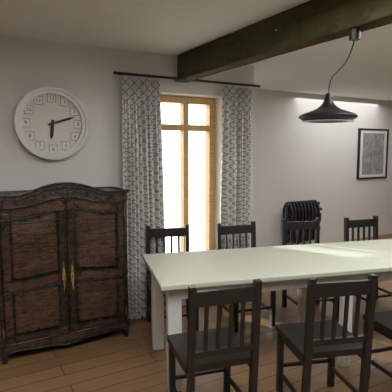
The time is 6h12
